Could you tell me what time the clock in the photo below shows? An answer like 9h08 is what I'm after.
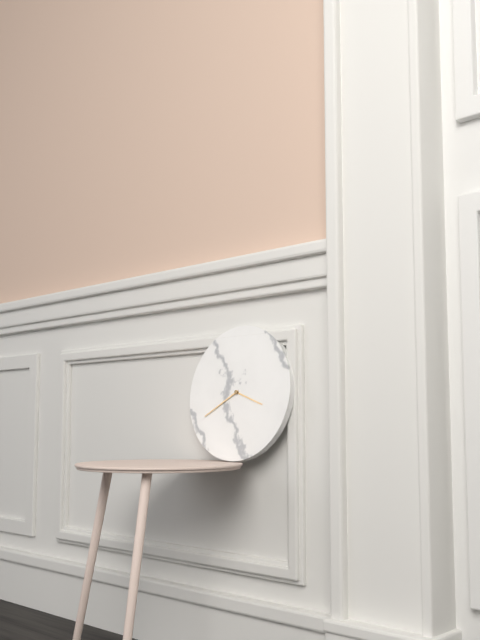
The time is 3h40
